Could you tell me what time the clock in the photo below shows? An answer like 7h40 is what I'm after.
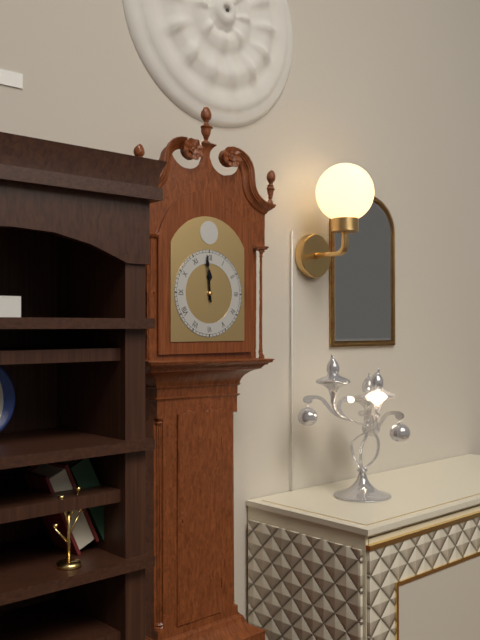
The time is 11h59
